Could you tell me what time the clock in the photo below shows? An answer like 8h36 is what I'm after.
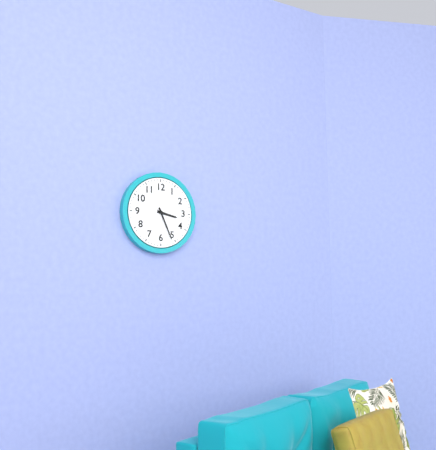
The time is 3h26
